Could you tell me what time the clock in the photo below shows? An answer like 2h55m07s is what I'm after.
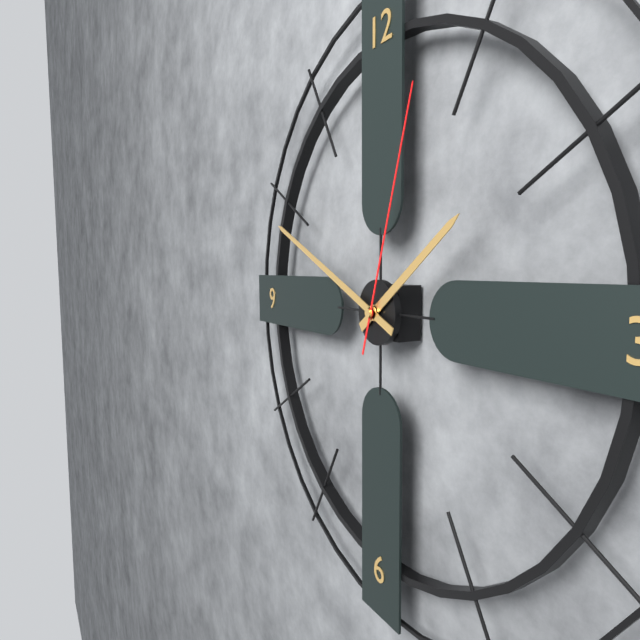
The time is 1h49m03s
